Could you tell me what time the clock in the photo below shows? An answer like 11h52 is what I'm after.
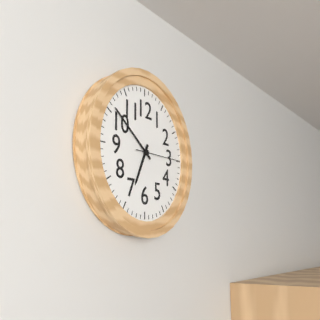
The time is 6h51
